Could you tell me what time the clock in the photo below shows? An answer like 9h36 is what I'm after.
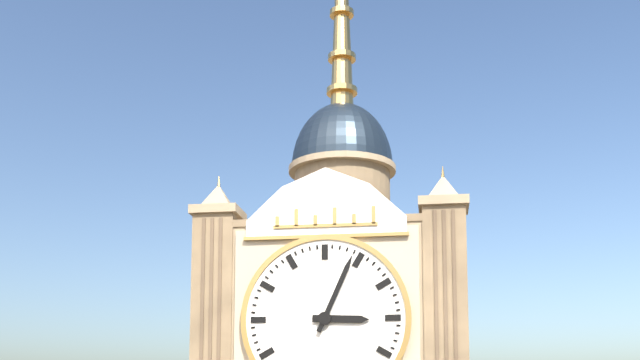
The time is 3h04
